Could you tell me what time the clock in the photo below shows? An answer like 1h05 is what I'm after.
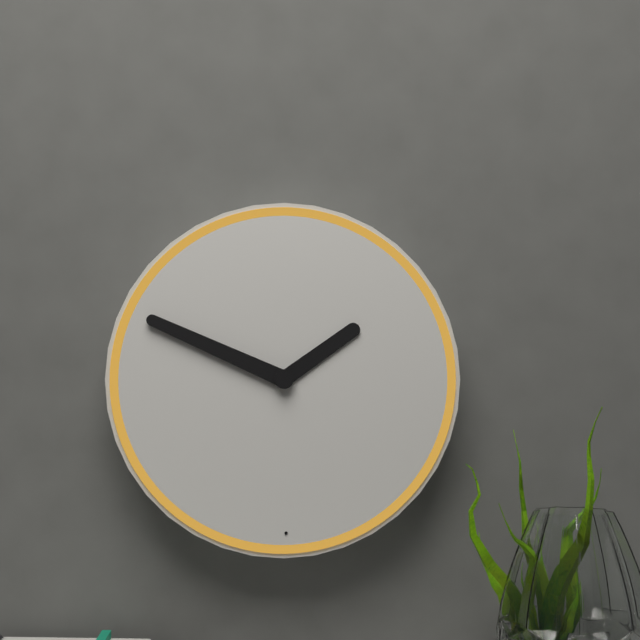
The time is 1h49
